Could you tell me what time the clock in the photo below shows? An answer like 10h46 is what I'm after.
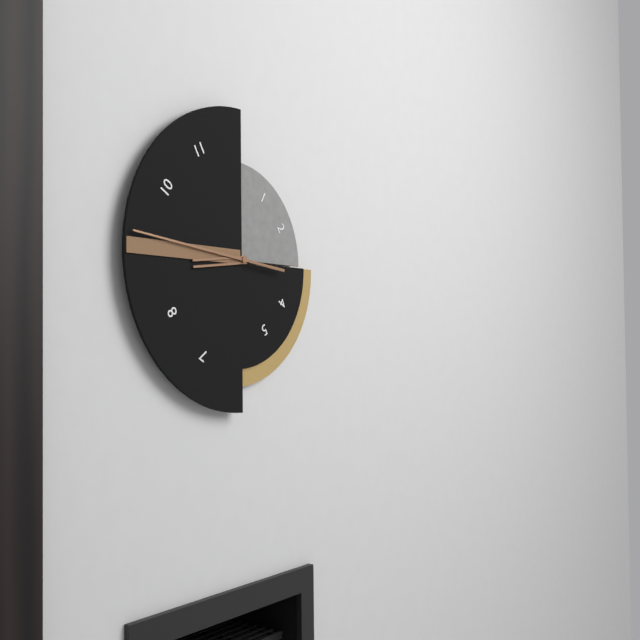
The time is 8h46
